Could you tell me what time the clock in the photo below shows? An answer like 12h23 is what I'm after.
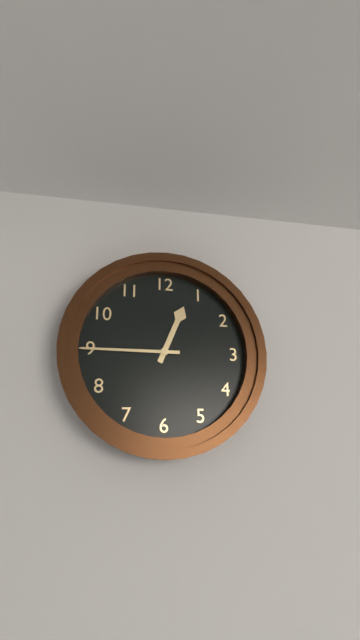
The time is 12h45
